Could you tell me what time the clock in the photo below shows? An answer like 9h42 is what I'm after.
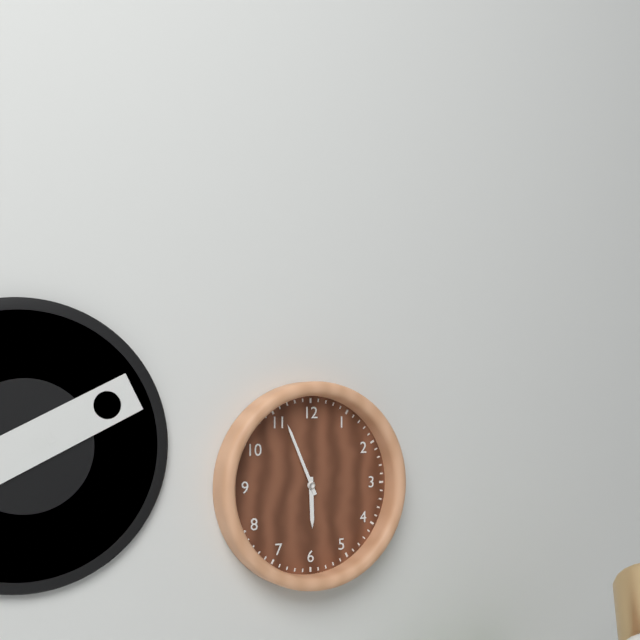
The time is 5h56
